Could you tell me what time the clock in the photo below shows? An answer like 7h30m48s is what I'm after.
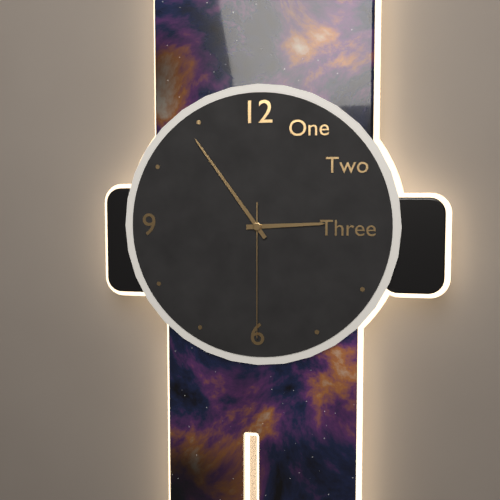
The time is 2h54m30s
